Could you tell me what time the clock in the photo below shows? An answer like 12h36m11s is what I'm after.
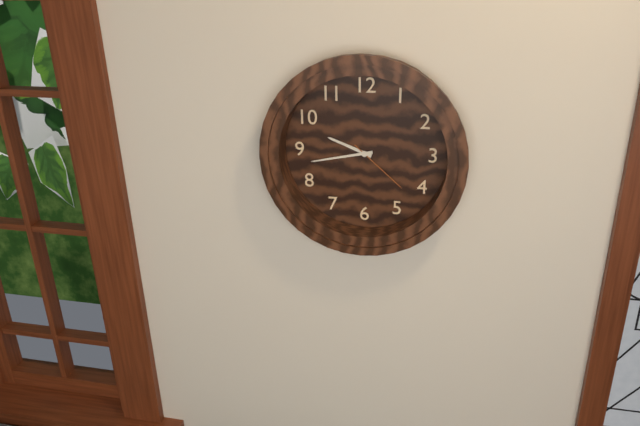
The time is 9h43m22s
